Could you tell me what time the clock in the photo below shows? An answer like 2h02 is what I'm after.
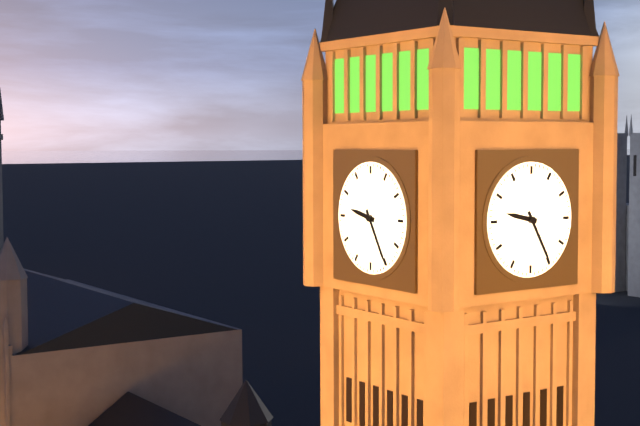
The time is 9h25
